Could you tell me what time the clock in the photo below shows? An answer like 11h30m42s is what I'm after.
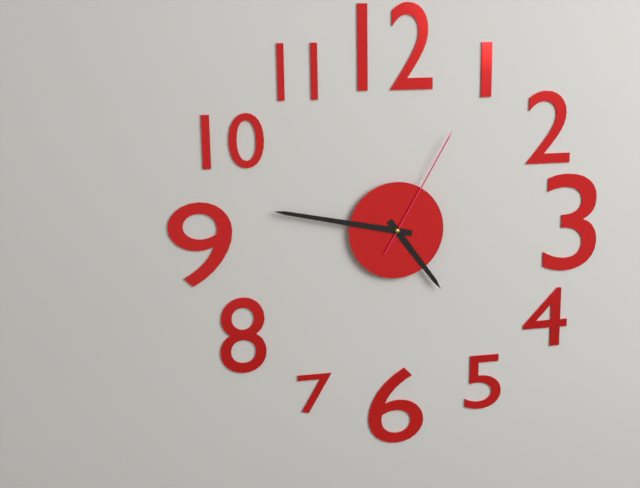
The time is 4h47m05s
